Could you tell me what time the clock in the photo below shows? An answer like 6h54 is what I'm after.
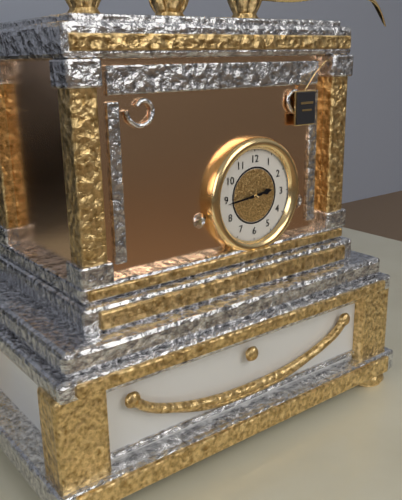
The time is 2h44
